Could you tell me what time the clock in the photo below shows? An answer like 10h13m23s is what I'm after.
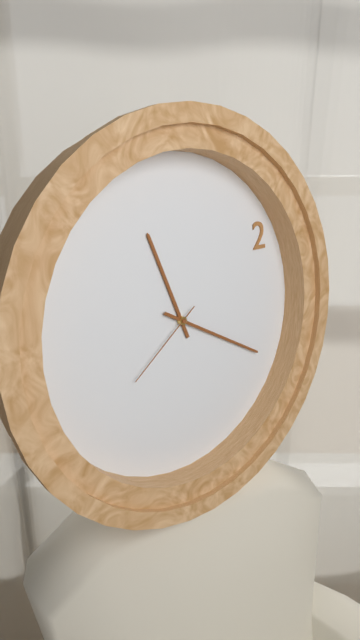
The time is 11h20m39s
